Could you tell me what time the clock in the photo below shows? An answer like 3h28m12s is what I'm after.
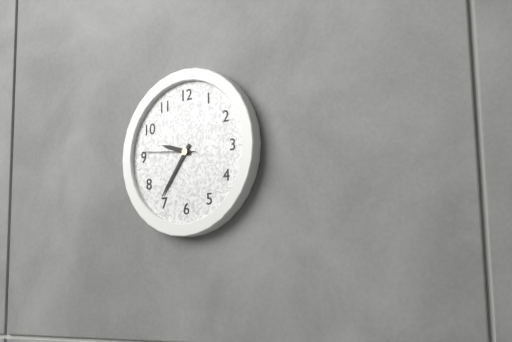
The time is 9h36m46s
